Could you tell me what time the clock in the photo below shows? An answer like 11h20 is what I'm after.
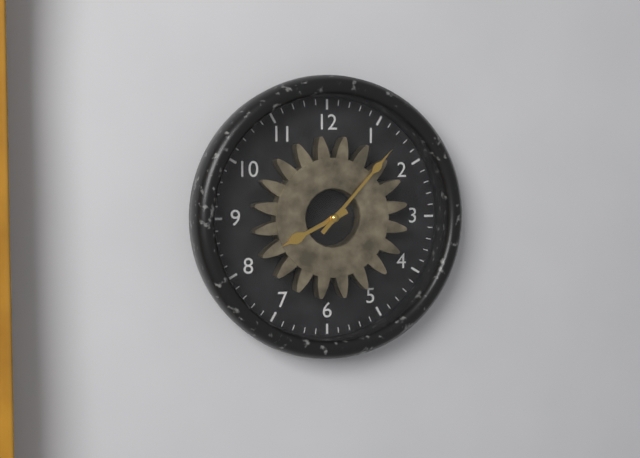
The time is 8h07
